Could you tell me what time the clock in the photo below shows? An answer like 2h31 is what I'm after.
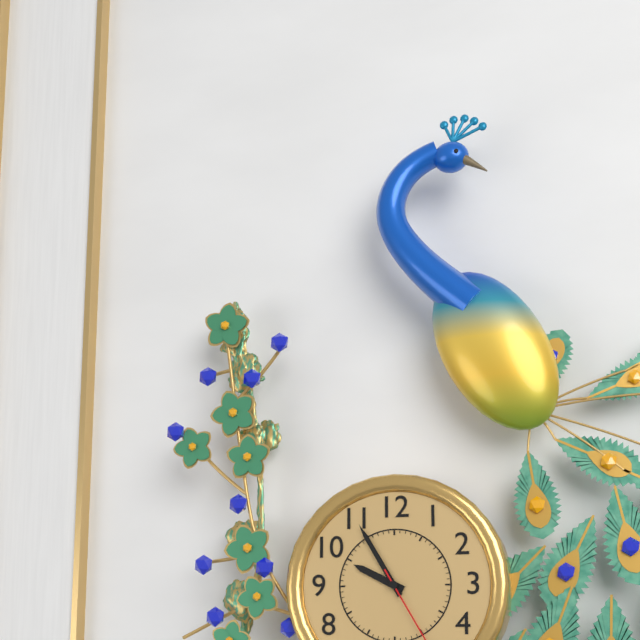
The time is 9h55
